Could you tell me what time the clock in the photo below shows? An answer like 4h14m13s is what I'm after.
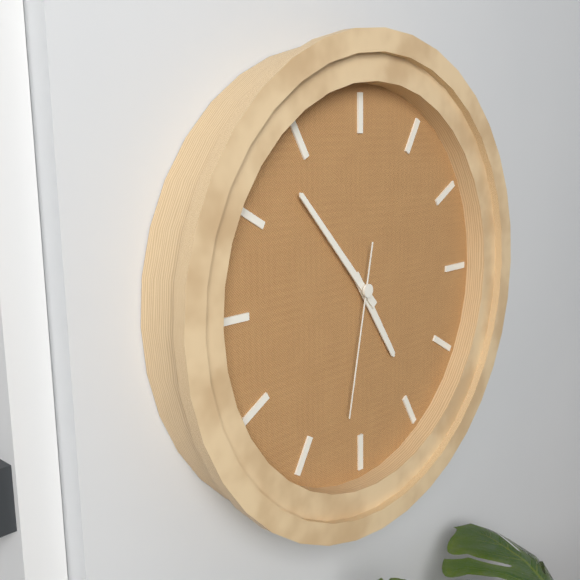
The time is 4h53m32s
